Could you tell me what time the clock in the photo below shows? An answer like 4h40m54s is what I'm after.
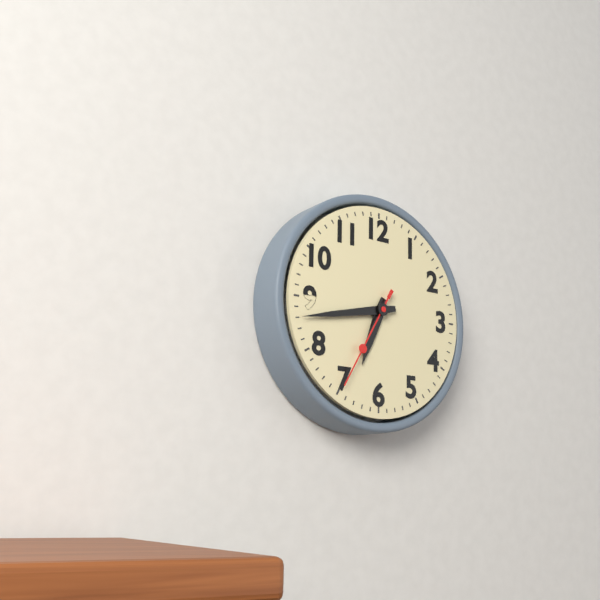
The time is 6h43m35s
